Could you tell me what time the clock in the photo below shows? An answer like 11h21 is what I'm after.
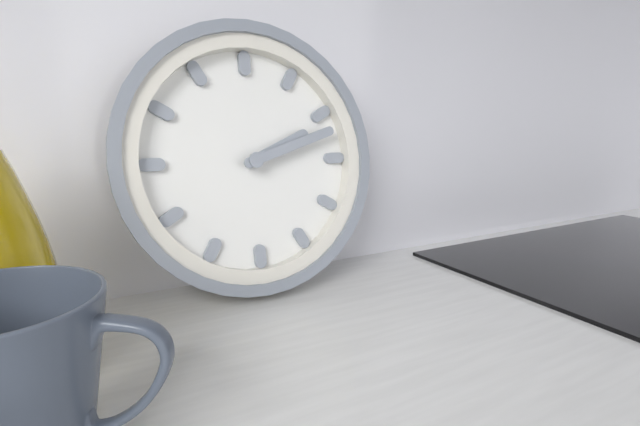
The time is 2h12
